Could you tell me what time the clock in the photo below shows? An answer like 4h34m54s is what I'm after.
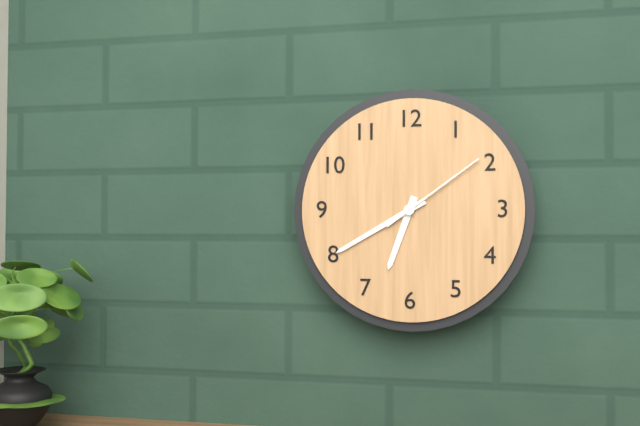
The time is 6h40m09s
